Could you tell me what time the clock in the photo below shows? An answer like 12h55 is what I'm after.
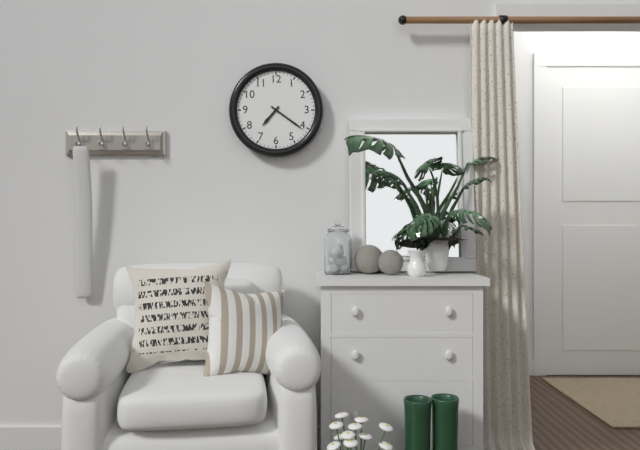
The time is 7h21
